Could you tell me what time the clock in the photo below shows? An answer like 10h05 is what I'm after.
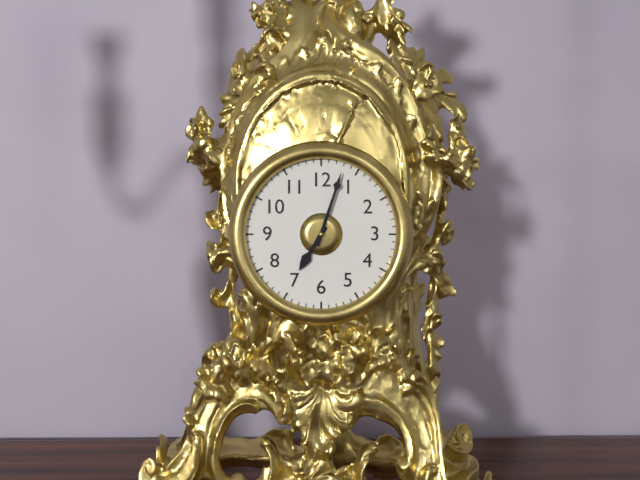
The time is 7h03
